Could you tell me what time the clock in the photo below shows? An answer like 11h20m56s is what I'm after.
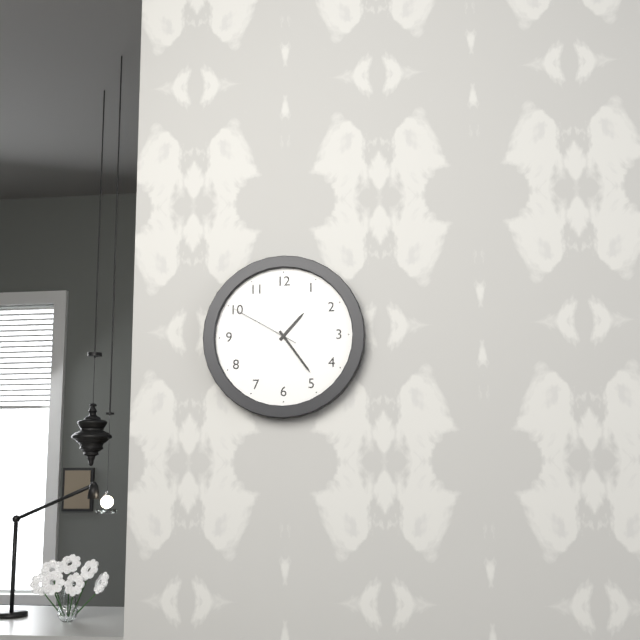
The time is 1h24m50s
